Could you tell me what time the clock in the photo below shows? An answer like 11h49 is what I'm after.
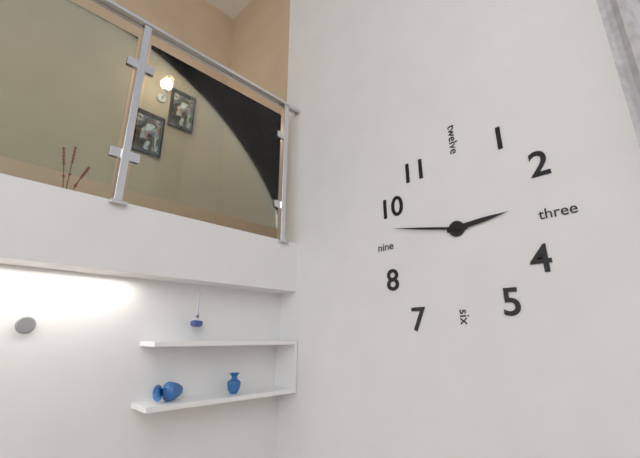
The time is 2h47
